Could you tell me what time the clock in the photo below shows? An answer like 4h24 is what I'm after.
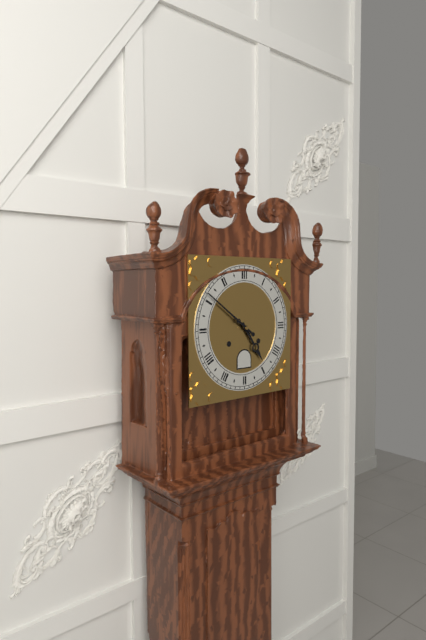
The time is 4h51
